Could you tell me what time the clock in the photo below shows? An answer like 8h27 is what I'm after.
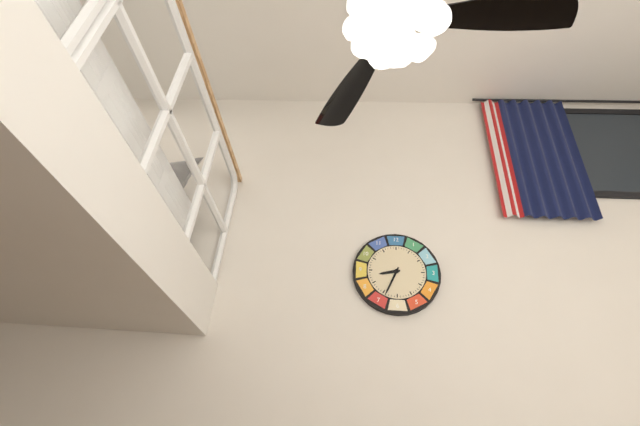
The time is 8h34
